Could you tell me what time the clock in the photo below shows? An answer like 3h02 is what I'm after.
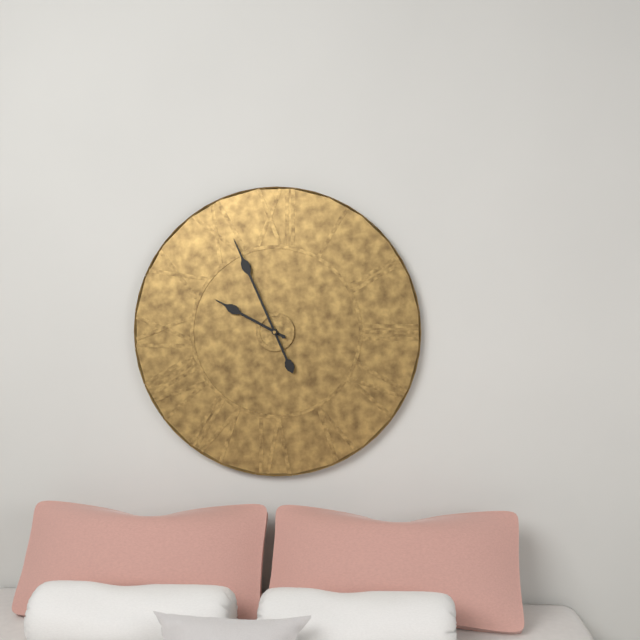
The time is 9h56
